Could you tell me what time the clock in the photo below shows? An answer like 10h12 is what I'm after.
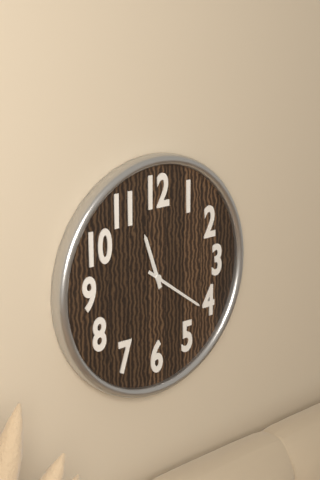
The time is 11h21
